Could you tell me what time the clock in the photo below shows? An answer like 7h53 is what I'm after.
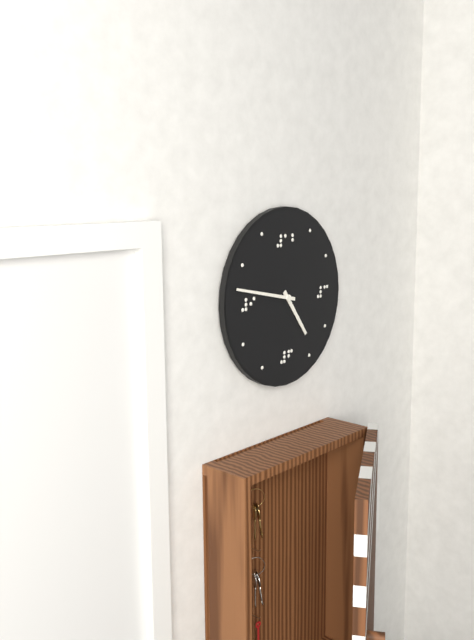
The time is 4h47
